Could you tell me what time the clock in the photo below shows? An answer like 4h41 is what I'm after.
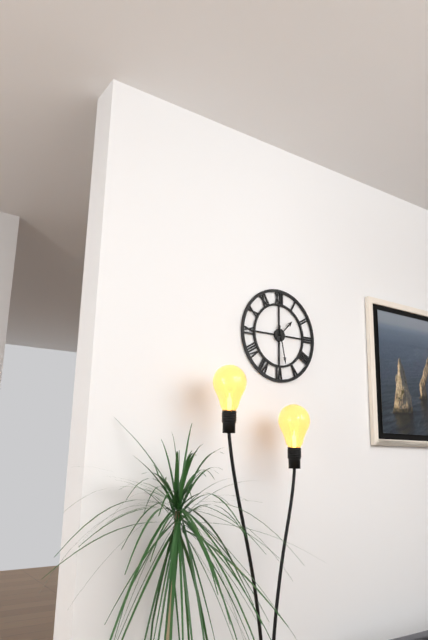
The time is 1h28
